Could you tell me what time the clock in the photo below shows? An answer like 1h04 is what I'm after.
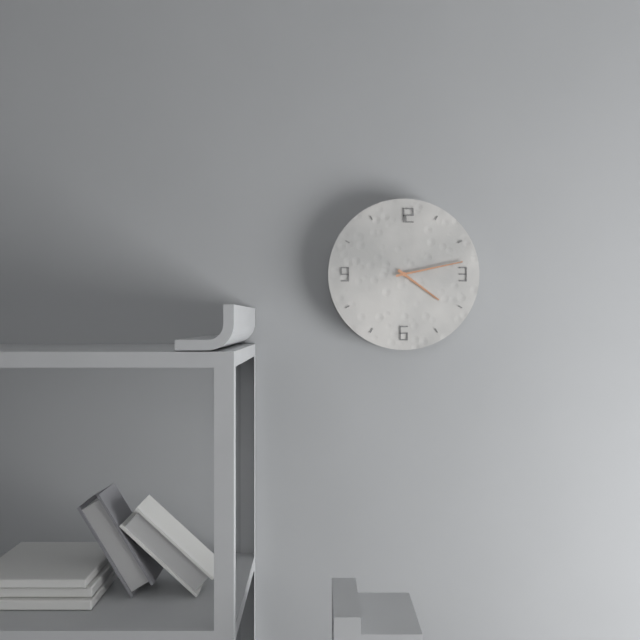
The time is 4h13
